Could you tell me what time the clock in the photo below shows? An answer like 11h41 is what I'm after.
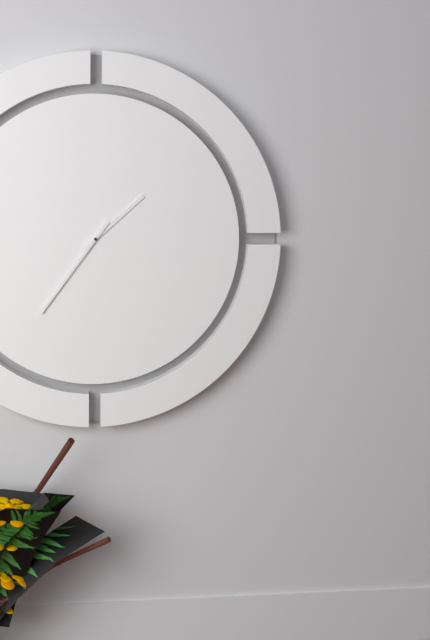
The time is 1h36
